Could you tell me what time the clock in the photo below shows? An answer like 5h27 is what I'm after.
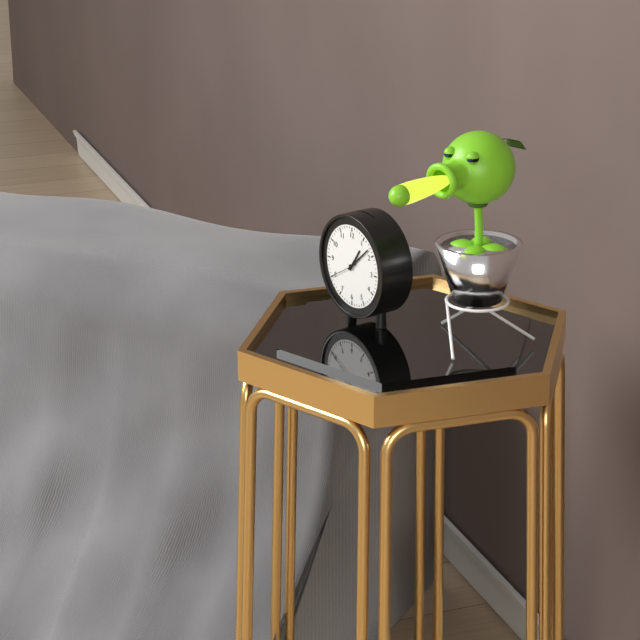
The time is 1h08
